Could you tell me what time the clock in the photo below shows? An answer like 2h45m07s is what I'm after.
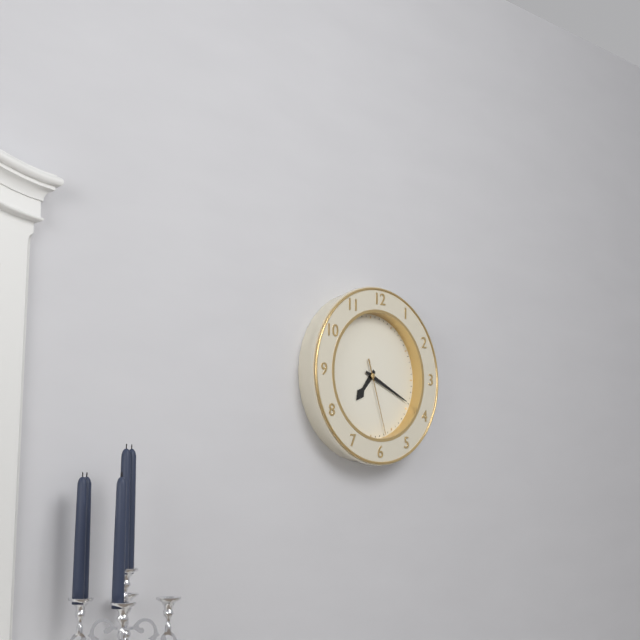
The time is 7h19m27s
